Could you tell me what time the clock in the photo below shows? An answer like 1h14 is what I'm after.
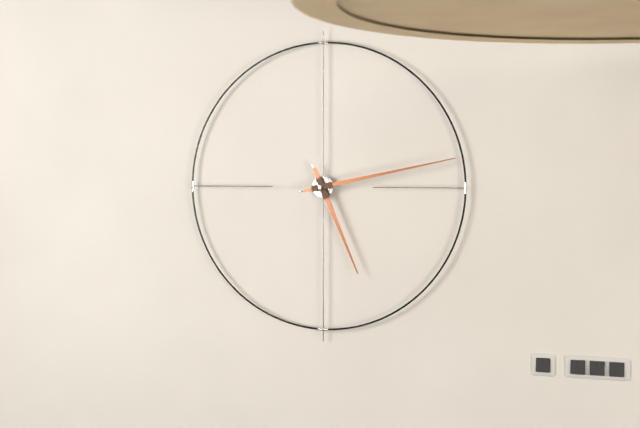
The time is 5h13
